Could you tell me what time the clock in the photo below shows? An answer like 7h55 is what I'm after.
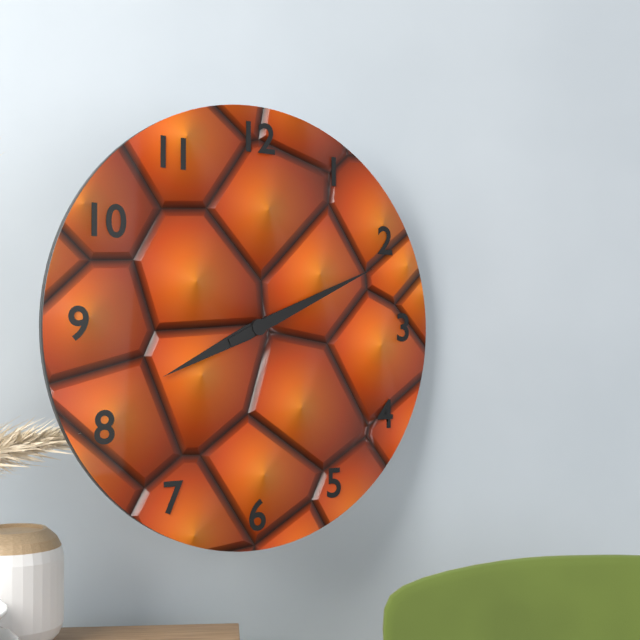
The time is 8h11
